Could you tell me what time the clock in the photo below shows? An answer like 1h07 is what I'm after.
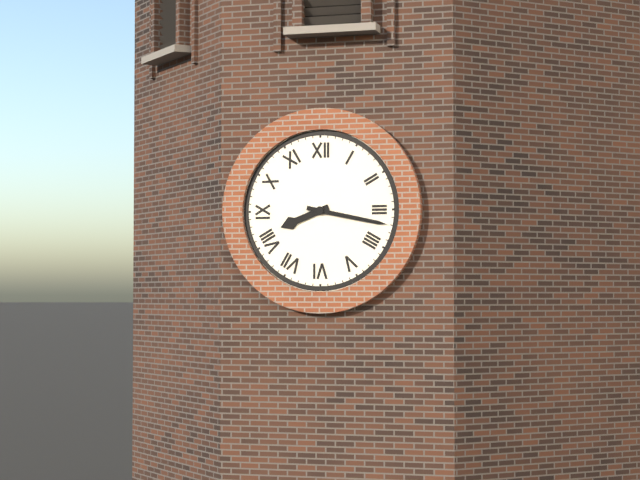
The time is 8h17
